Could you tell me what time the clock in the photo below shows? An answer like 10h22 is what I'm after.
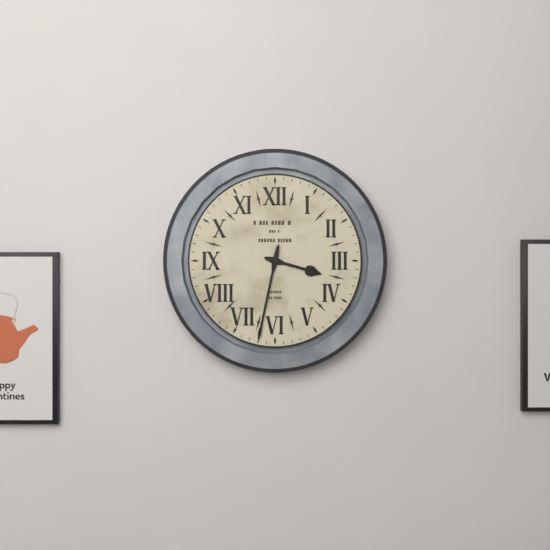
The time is 3h32
